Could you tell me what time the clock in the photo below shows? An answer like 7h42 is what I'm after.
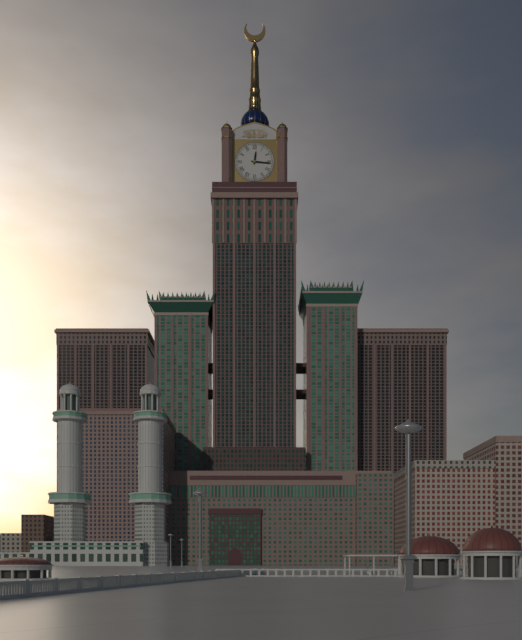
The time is 12h16
